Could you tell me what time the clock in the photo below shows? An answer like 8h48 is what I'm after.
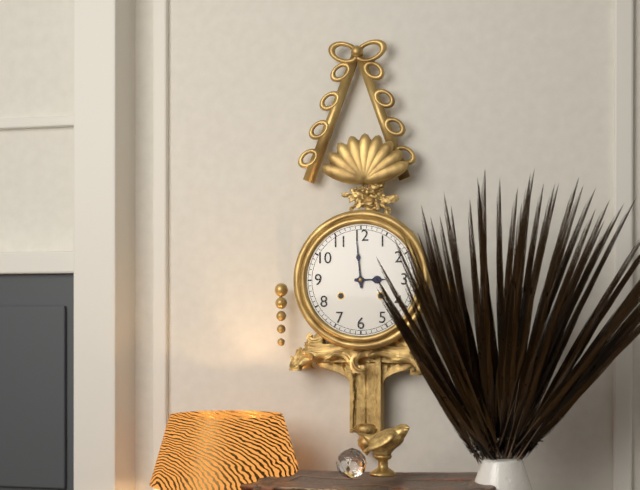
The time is 2h59
